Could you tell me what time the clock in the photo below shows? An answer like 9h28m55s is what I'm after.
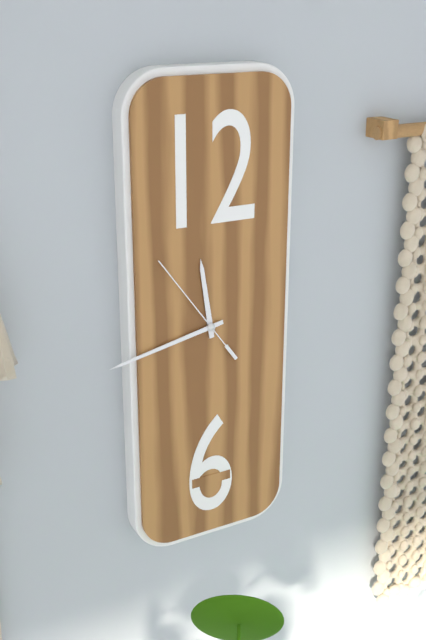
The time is 11h43m54s
